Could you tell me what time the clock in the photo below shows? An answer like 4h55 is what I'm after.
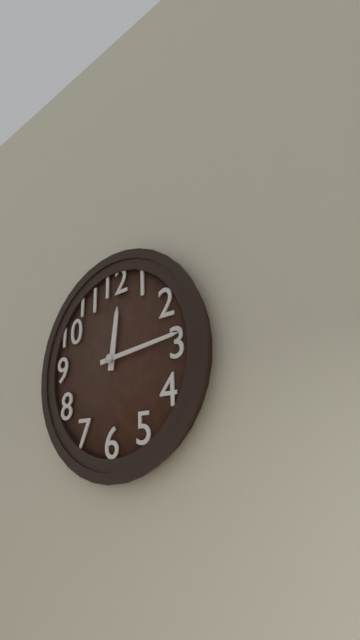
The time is 12h14
